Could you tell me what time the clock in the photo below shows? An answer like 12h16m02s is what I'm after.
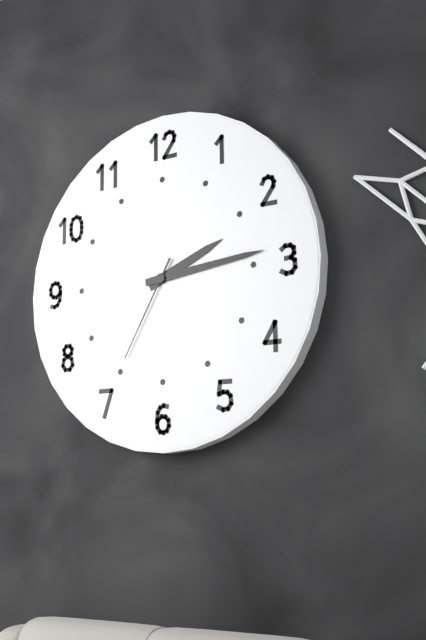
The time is 2h14m35s
